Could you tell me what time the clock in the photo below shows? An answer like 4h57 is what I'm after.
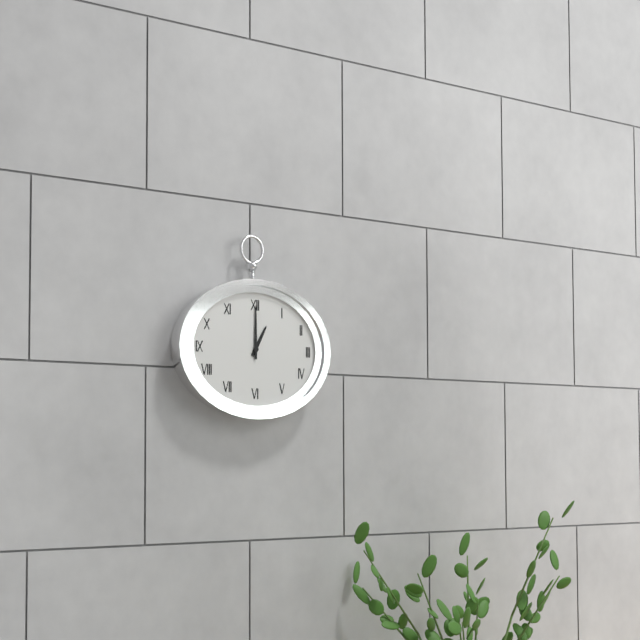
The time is 1h00
